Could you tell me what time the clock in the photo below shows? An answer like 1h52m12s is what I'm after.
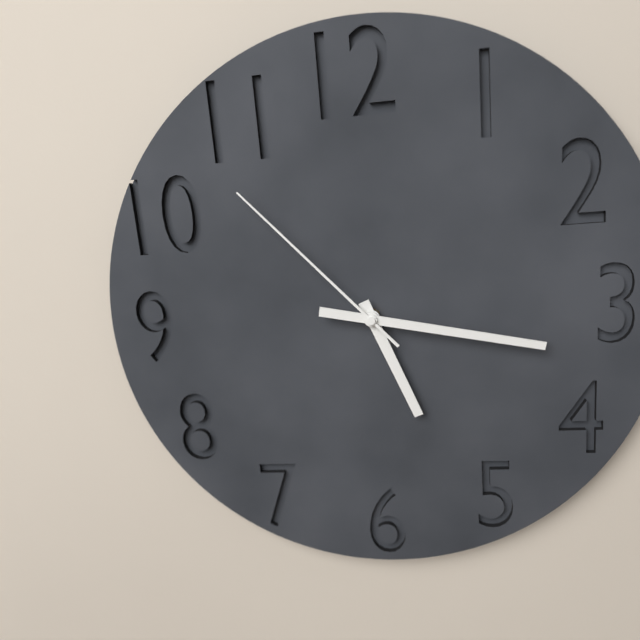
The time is 5h17m53s
